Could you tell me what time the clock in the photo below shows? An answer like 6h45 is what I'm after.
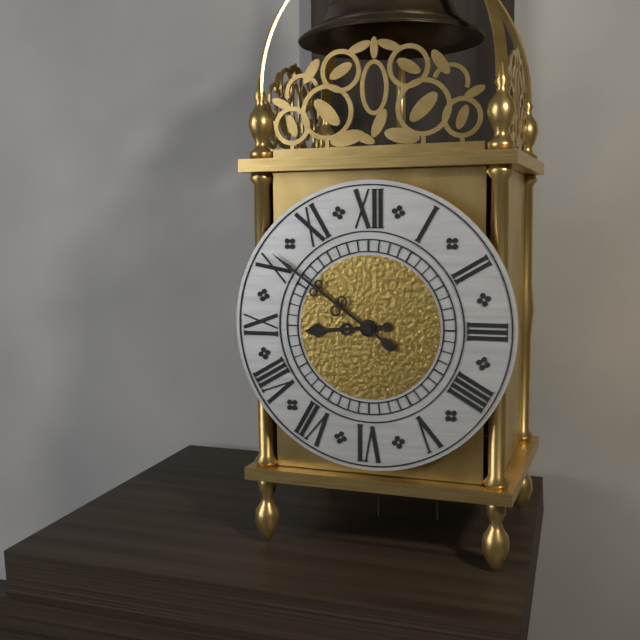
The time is 8h51
